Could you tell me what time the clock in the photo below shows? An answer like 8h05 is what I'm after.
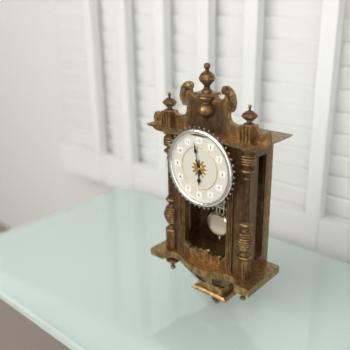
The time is 5h58
